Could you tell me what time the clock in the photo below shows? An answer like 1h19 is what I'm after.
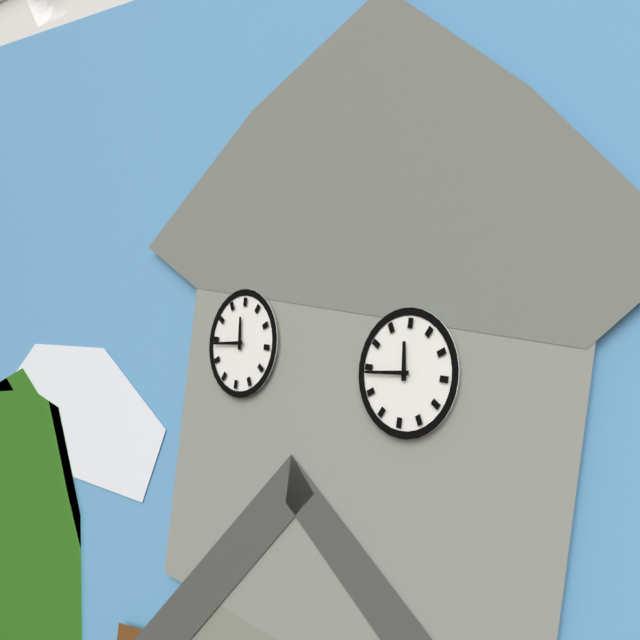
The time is 11h44
